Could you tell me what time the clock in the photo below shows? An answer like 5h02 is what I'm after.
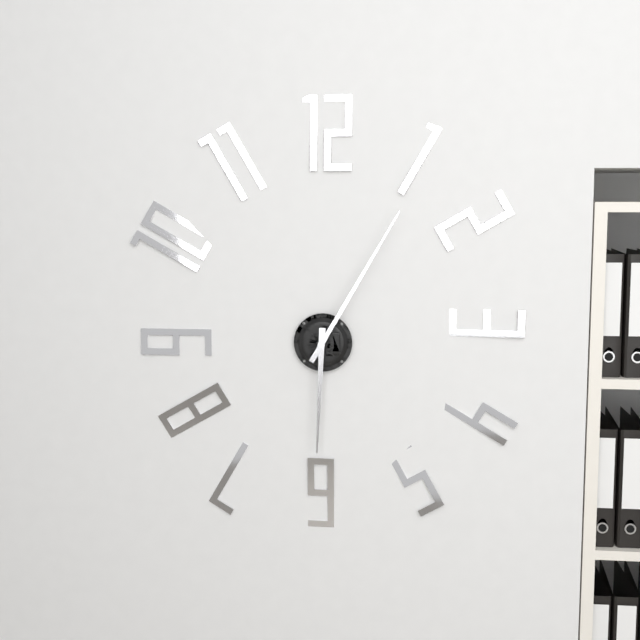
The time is 6h05
